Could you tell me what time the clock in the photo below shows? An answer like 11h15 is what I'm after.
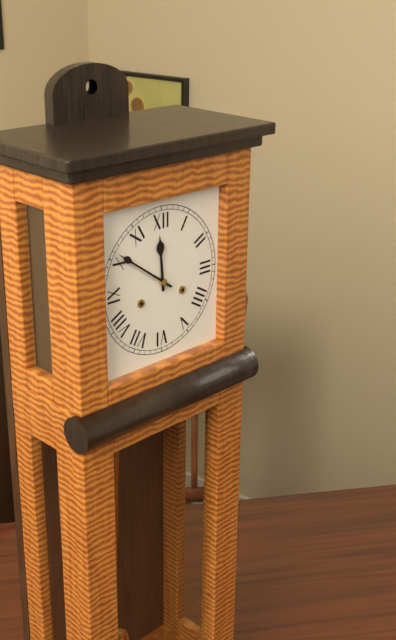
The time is 11h51
